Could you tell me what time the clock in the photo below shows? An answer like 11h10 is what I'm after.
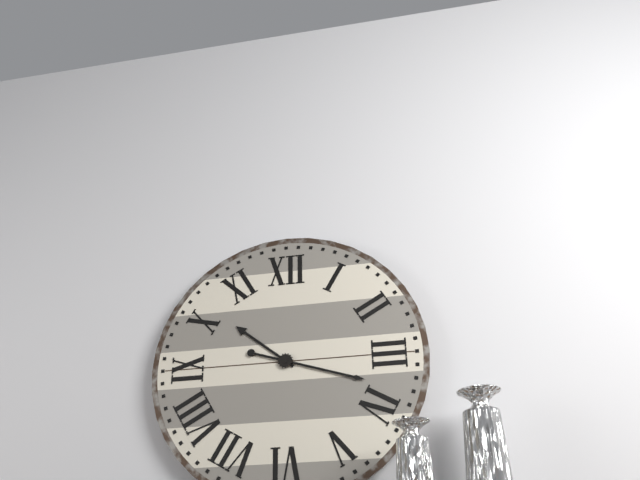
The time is 10h18
